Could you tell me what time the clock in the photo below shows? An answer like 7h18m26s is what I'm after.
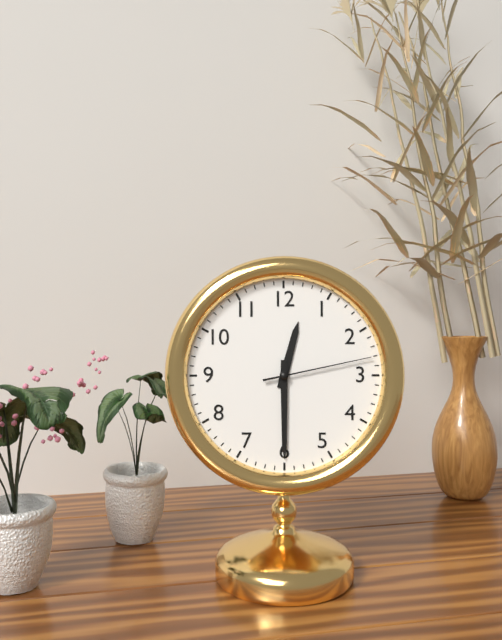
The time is 12h30m13s
